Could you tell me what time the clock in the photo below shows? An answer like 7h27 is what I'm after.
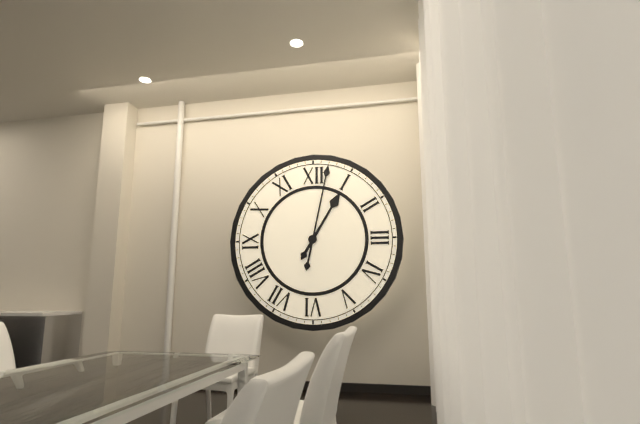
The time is 1h02
